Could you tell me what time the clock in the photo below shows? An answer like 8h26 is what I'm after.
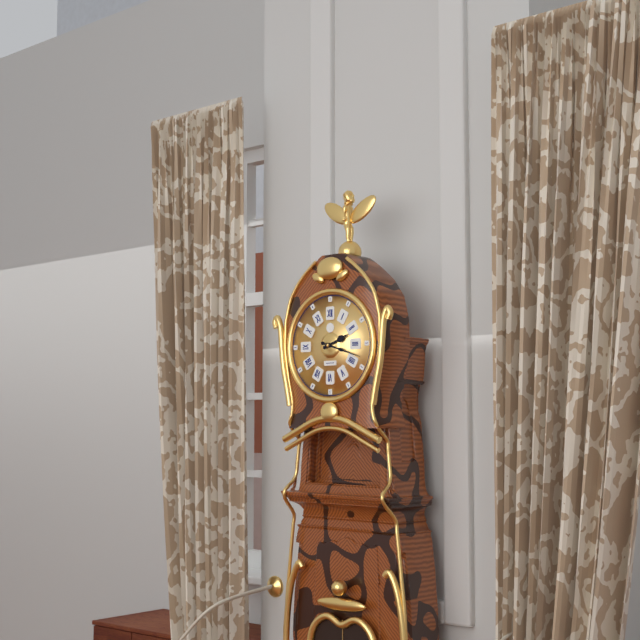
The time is 2h18
